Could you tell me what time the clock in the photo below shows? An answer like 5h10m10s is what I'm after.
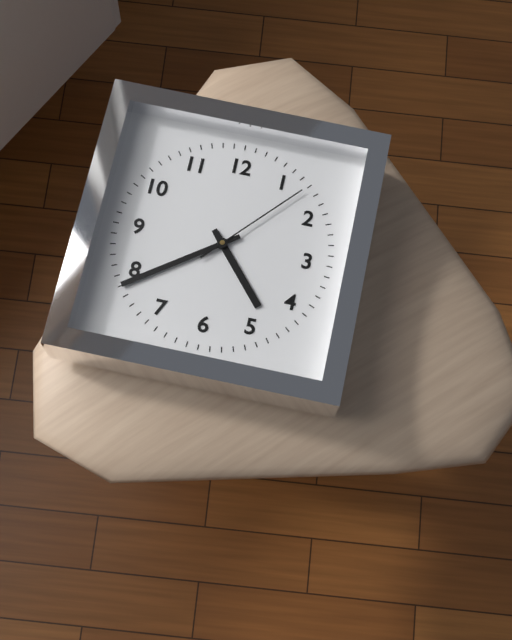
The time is 4h39m07s
